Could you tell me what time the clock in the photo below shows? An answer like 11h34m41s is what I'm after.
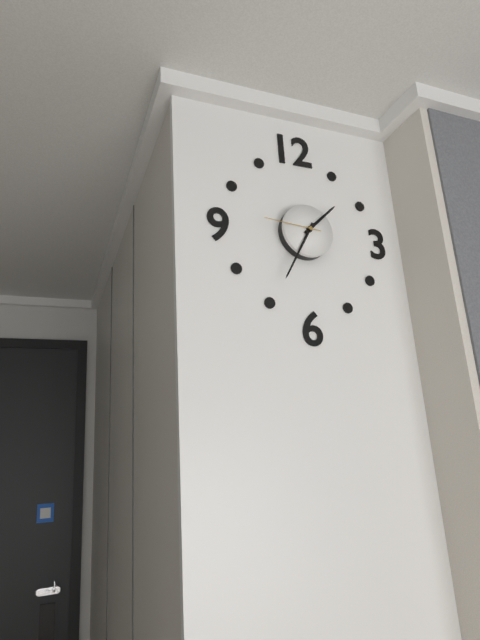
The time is 1h35m46s
